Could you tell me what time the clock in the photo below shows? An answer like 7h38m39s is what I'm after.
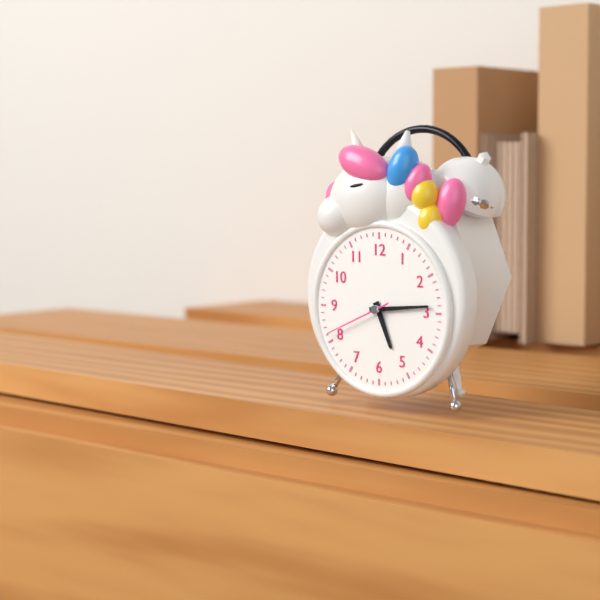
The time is 5h14m41s
